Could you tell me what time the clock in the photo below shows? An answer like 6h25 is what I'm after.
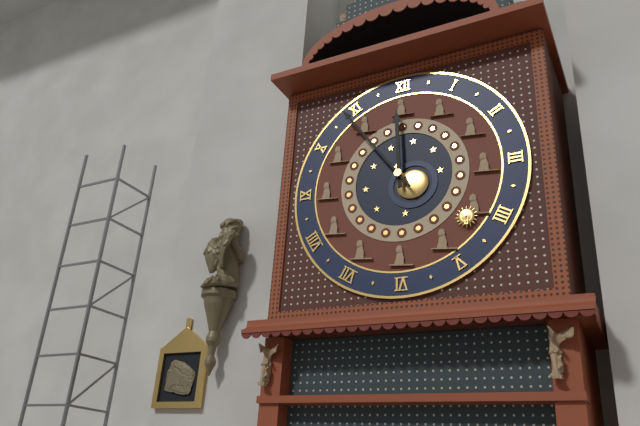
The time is 11h54
